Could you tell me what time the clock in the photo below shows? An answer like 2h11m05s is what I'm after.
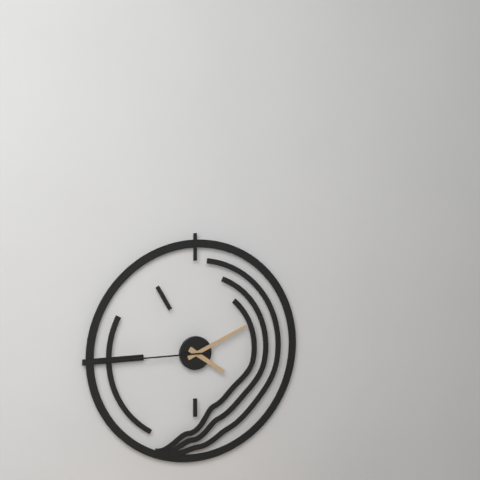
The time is 4h11m45s
